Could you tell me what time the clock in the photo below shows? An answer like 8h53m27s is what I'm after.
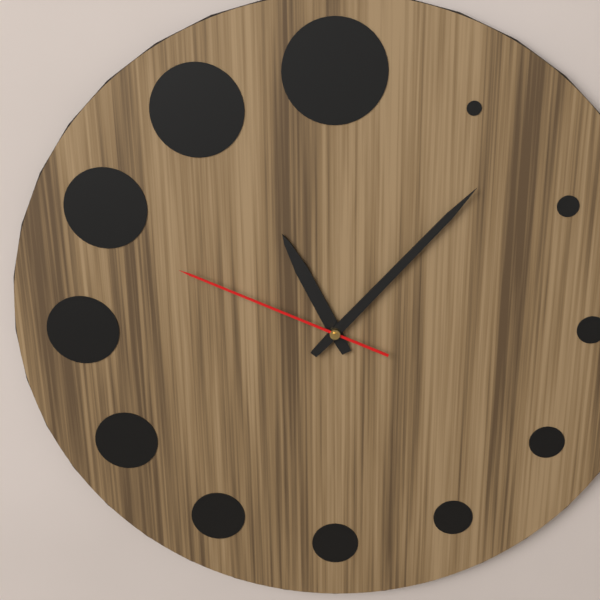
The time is 11h07m49s
